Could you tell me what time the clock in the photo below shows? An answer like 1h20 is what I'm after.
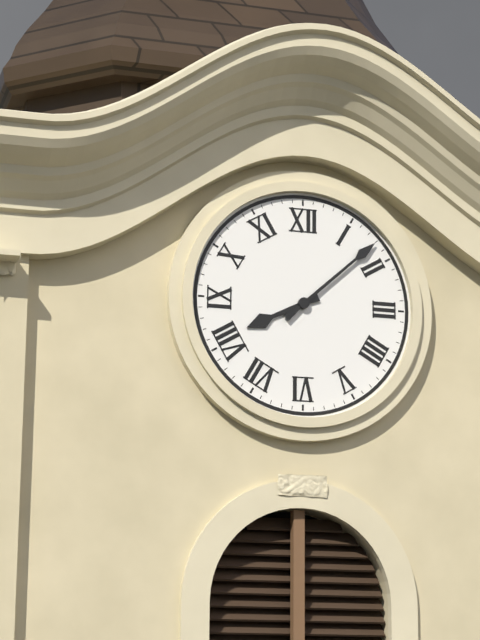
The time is 8h08
